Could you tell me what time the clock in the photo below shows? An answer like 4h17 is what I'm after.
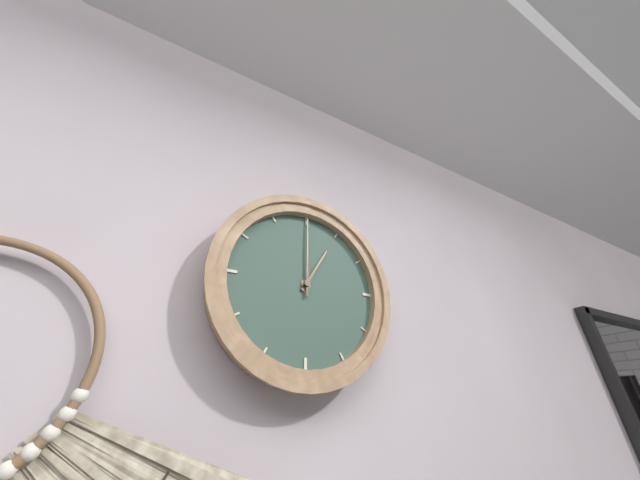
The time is 1h00
